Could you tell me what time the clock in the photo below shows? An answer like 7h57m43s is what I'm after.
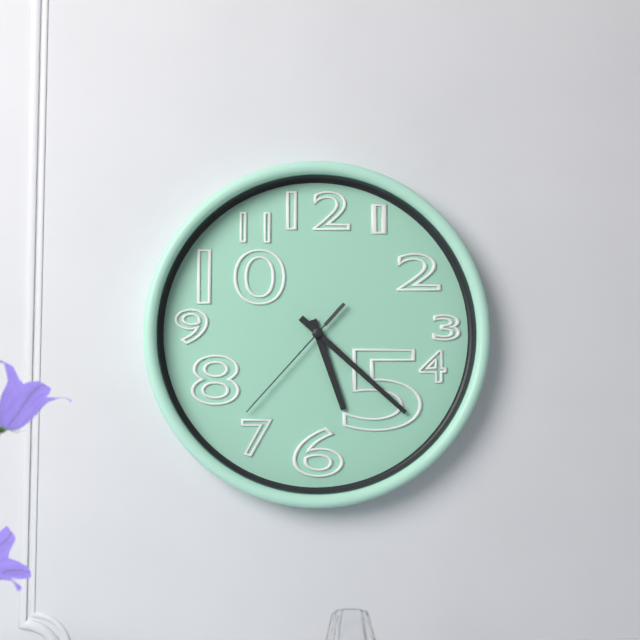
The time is 5h22m37s
